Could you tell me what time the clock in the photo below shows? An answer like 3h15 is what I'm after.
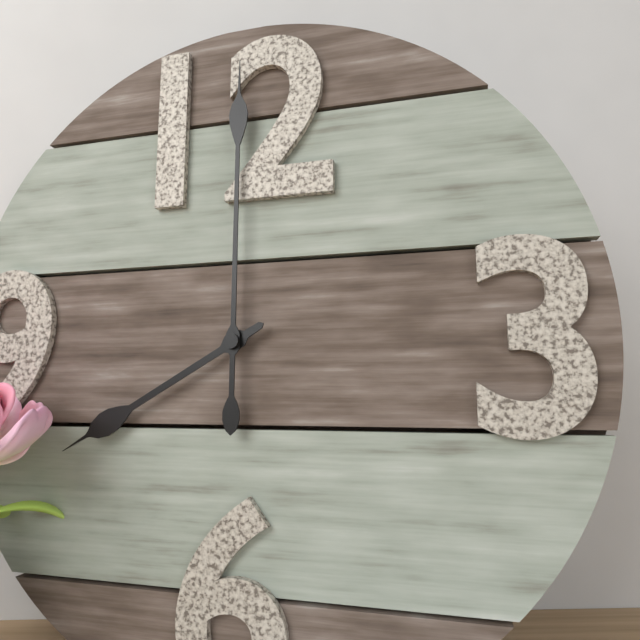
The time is 8h00
